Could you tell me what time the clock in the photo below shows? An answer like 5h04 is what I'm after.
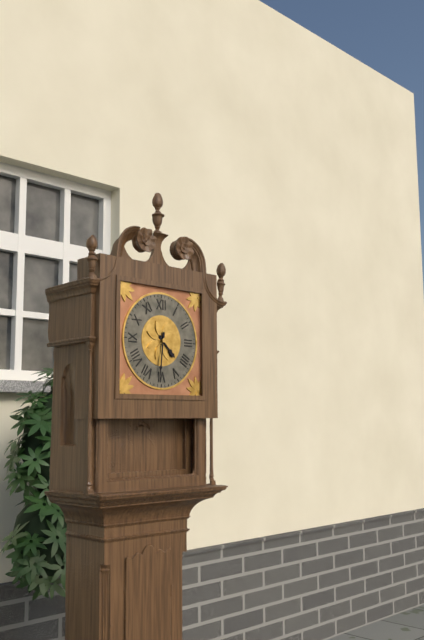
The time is 4h31
